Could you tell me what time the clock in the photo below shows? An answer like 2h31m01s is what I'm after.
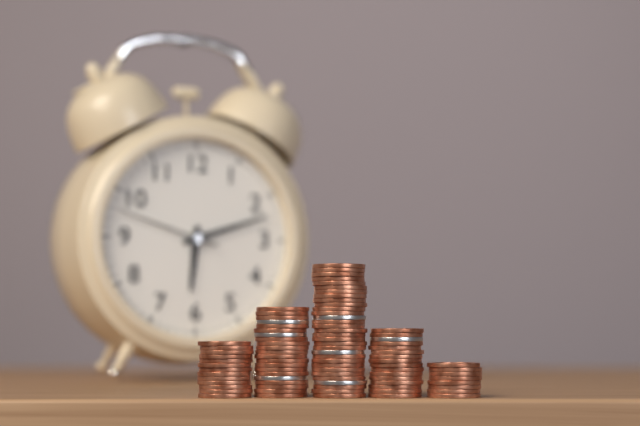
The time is 6h12m48s
